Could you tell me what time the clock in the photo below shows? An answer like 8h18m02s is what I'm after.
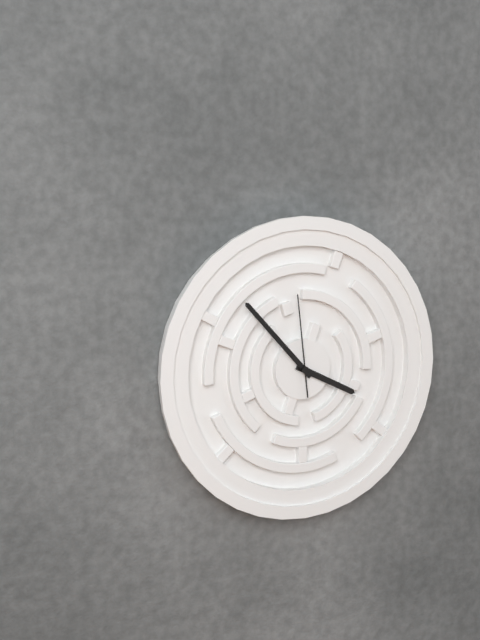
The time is 3h53m59s
